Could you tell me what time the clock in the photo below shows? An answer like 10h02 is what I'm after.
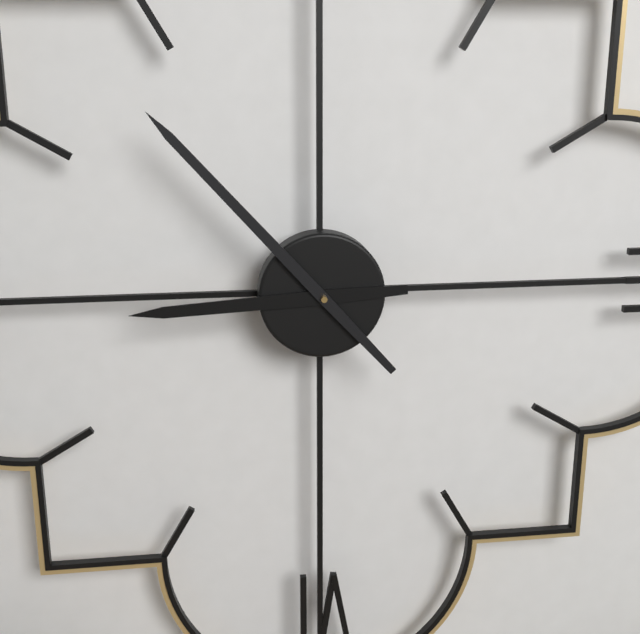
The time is 8h53
